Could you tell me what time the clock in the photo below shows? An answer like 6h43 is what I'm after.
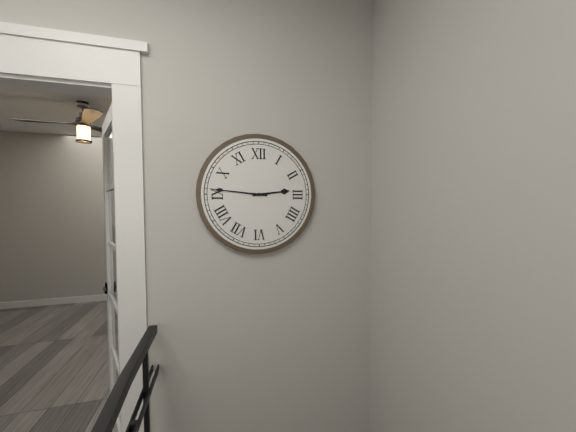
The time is 2h46
